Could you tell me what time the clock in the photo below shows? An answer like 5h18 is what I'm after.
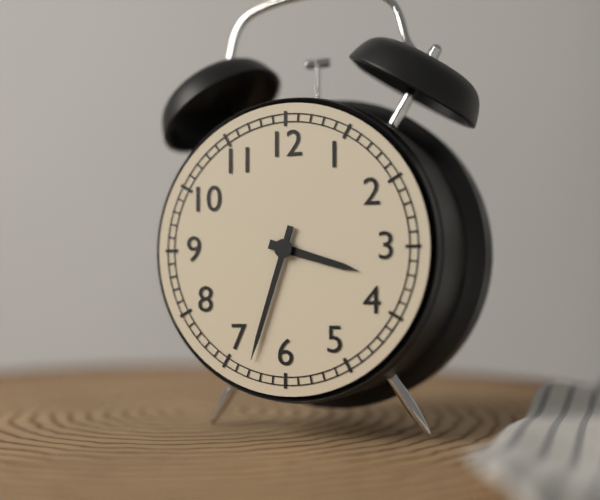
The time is 3h33
